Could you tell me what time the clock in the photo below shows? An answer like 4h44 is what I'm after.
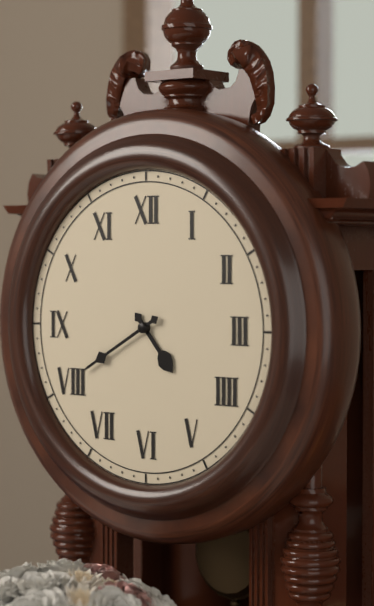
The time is 4h40
